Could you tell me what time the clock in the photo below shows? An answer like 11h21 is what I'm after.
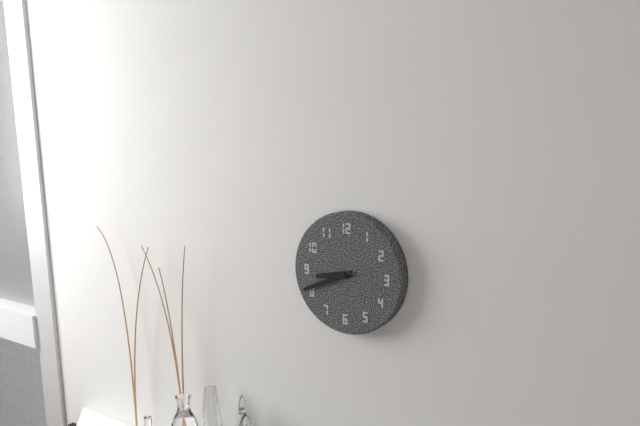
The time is 8h41
